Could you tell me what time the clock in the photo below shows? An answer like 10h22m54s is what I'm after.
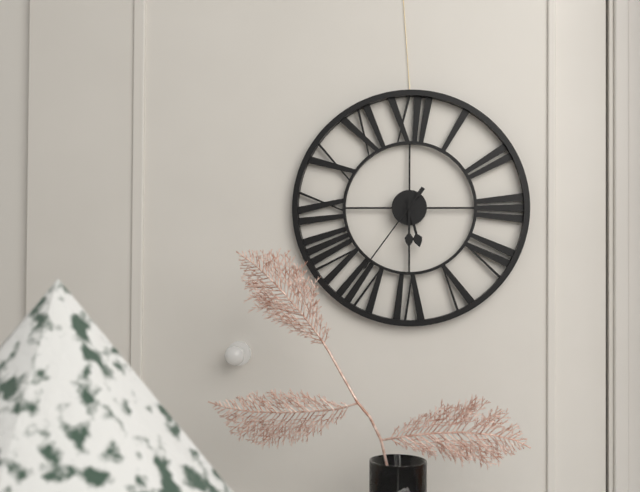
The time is 5h30m36s
